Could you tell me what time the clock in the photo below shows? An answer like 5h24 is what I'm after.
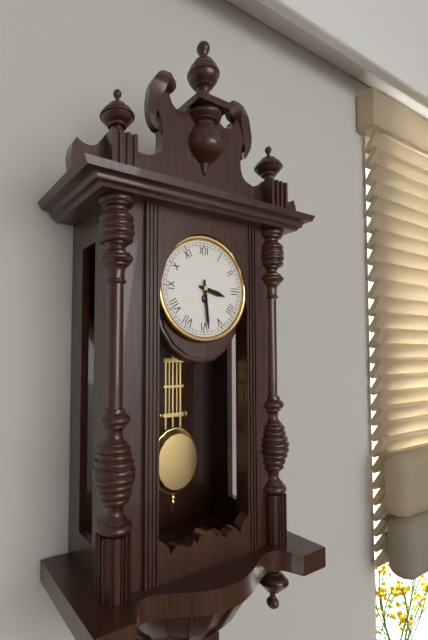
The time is 3h29
